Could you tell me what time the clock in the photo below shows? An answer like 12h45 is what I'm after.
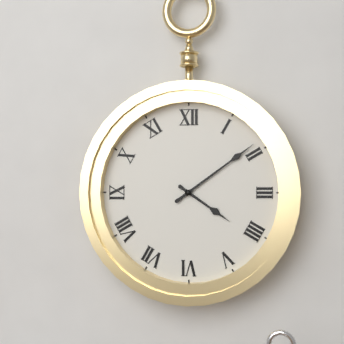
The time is 4h09
